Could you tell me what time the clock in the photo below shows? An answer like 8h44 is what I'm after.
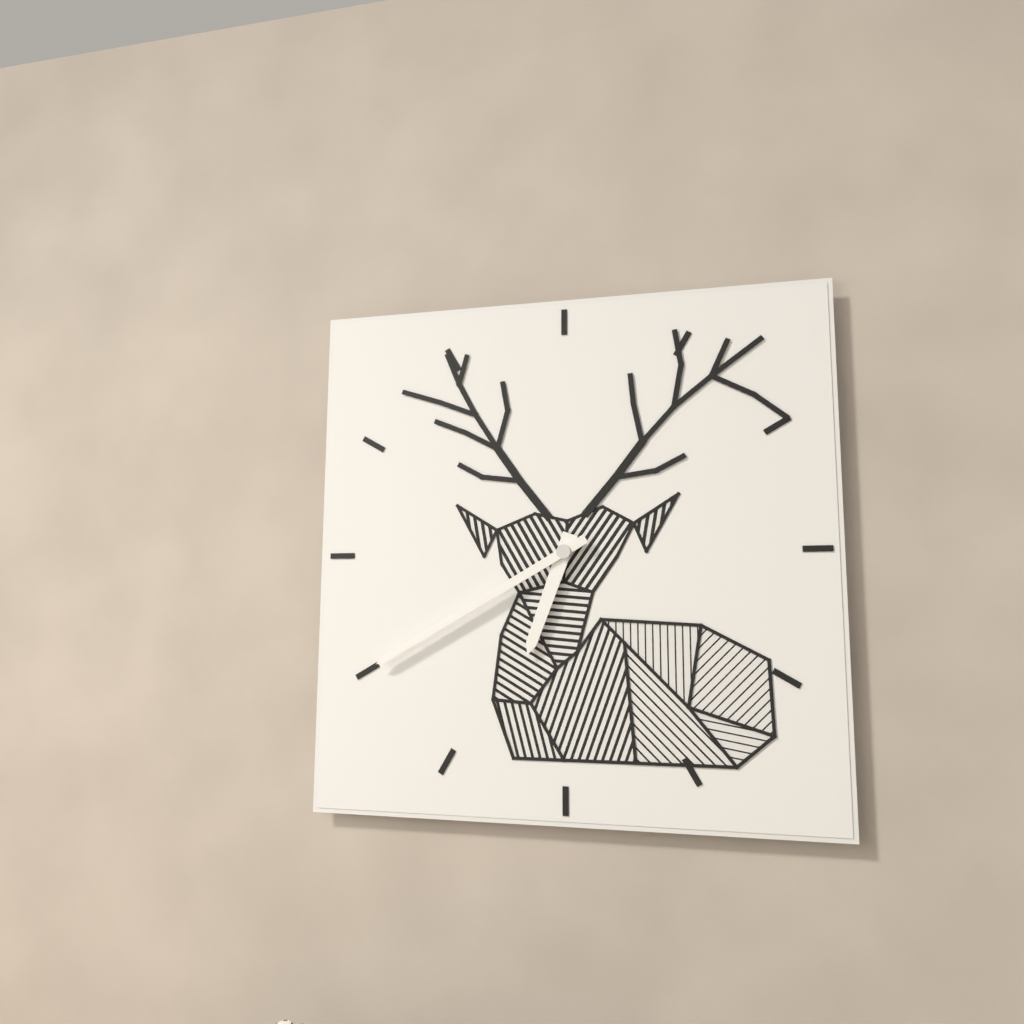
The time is 6h40
